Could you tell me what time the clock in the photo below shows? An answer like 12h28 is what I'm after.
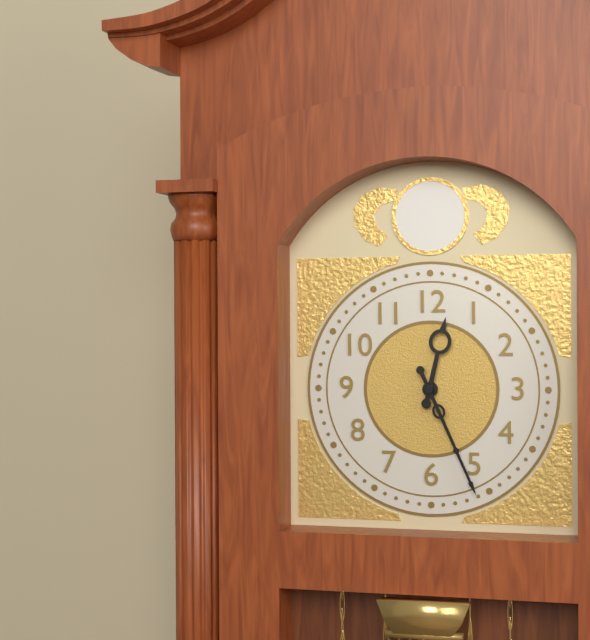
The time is 12h26
